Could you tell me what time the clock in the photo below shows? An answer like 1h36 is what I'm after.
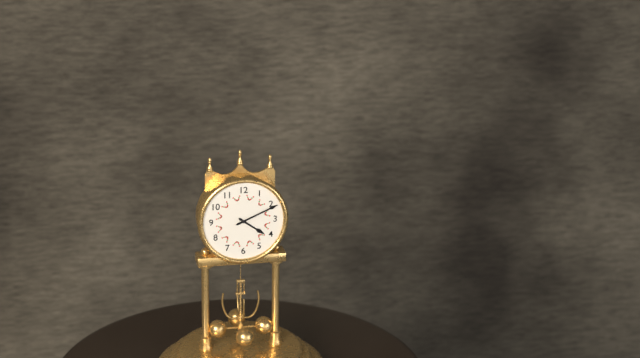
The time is 4h11
